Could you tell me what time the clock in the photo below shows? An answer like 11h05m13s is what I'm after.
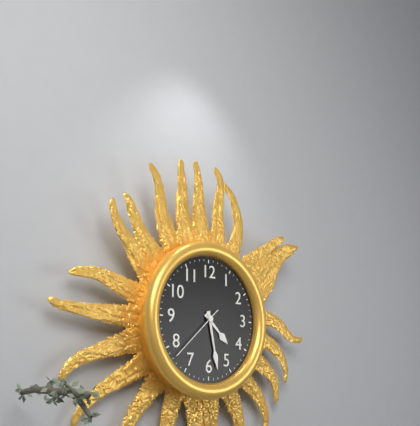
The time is 4h28m38s
